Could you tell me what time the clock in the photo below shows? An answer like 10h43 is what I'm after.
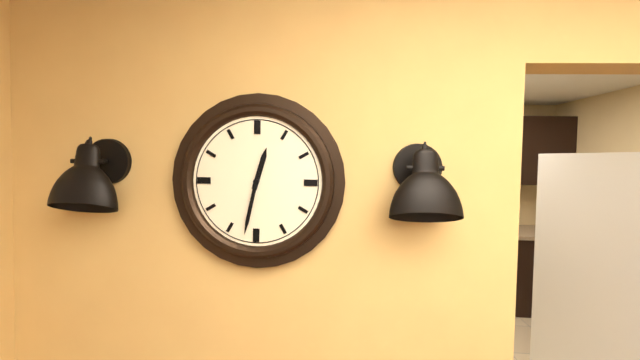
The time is 12h32
